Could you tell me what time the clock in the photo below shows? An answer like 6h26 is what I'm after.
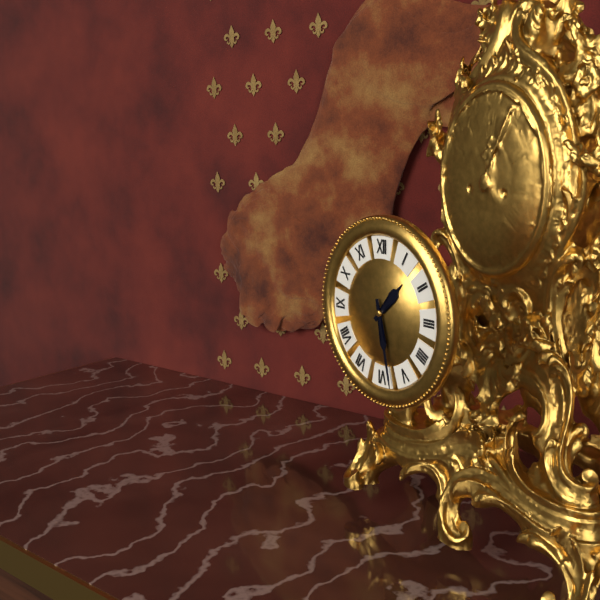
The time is 1h28
